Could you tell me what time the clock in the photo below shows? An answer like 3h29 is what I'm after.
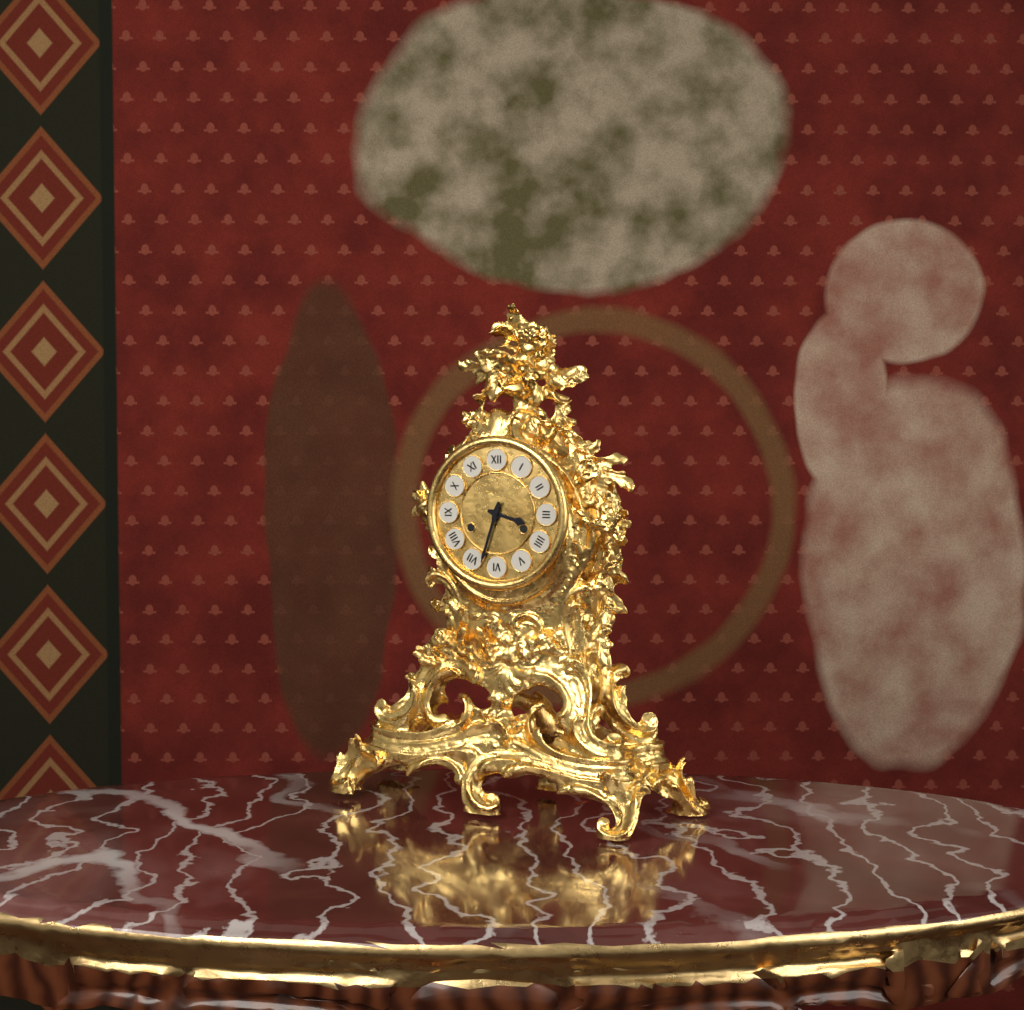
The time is 3h33
